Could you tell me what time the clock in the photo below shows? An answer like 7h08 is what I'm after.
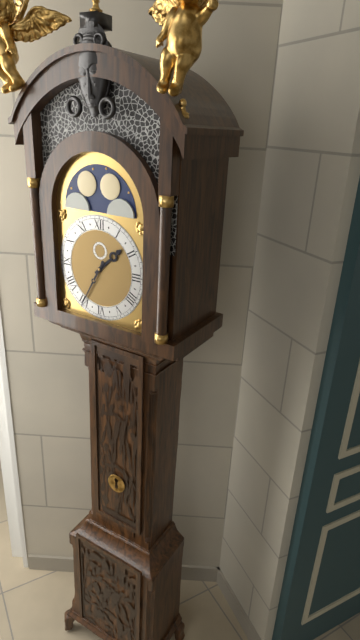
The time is 1h35
